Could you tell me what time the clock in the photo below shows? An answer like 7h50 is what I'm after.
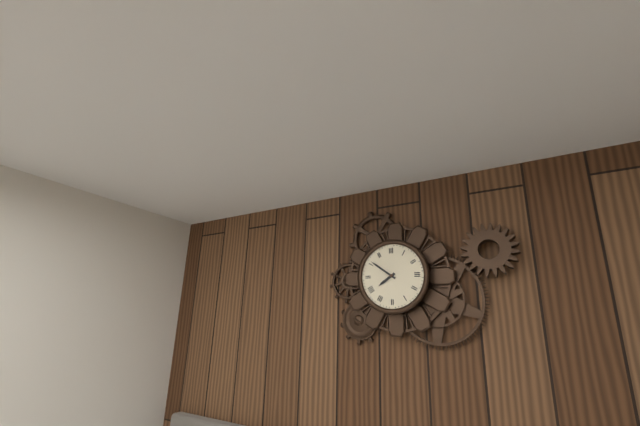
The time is 7h51
